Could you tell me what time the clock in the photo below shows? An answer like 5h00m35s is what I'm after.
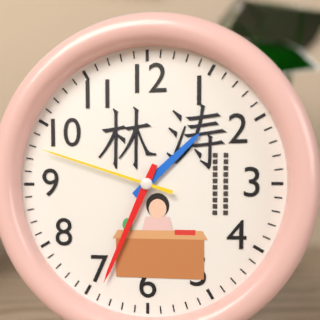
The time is 1h34m48s
